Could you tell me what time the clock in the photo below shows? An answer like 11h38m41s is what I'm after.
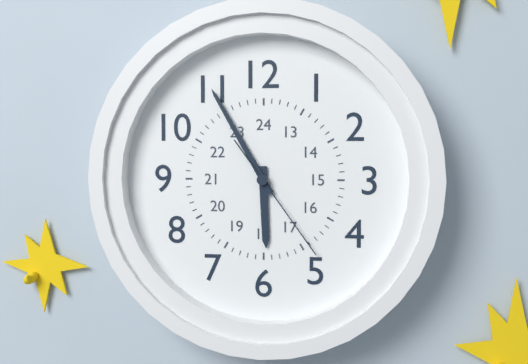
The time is 5h55m24s
